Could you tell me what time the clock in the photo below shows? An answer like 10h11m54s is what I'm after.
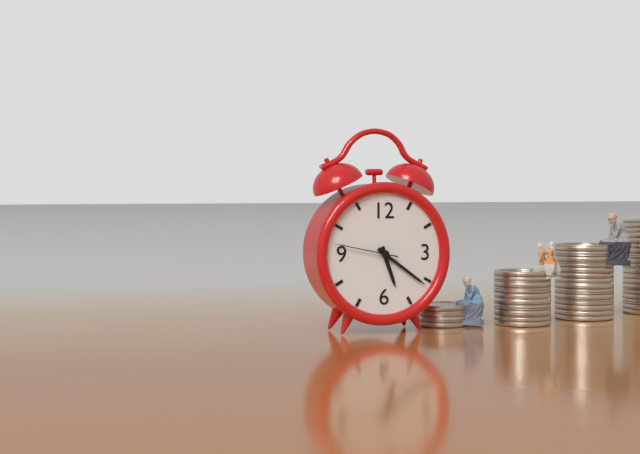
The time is 5h21m47s
